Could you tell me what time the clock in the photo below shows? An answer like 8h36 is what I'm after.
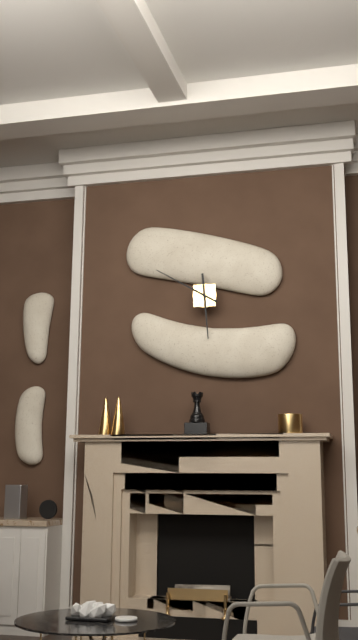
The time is 5h50
